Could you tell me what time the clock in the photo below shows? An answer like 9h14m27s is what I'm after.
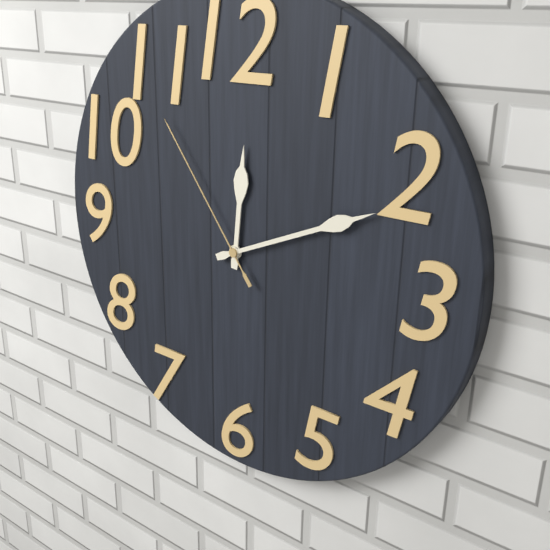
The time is 12h11m54s
